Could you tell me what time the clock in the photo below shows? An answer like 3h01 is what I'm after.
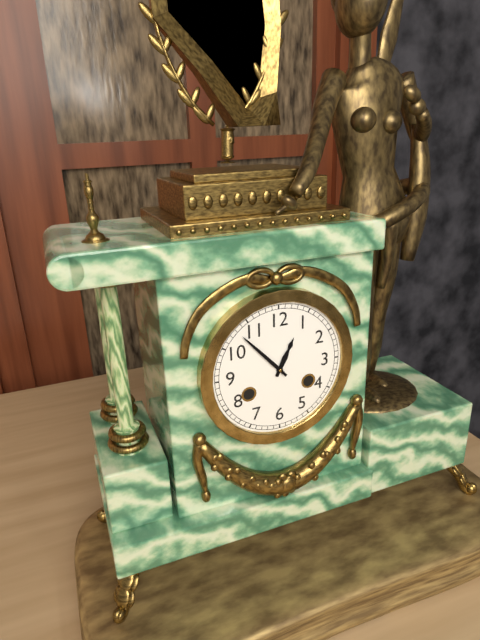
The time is 12h53
